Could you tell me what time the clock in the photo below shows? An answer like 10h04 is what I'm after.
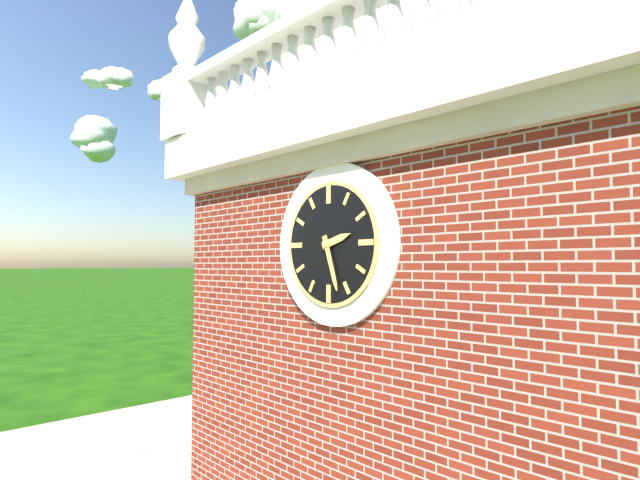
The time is 2h27
